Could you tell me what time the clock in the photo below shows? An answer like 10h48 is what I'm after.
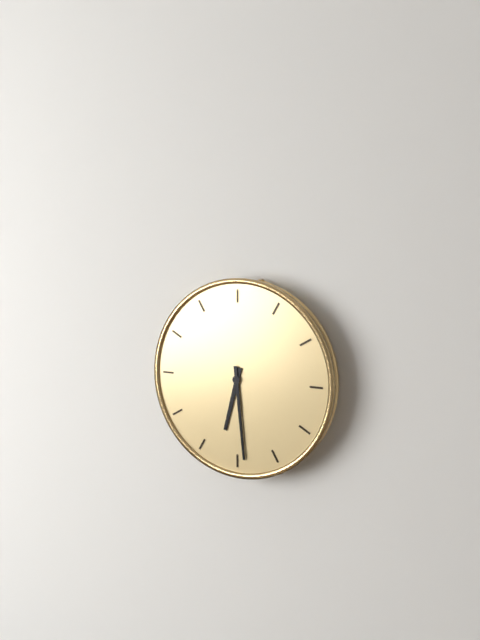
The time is 6h29
